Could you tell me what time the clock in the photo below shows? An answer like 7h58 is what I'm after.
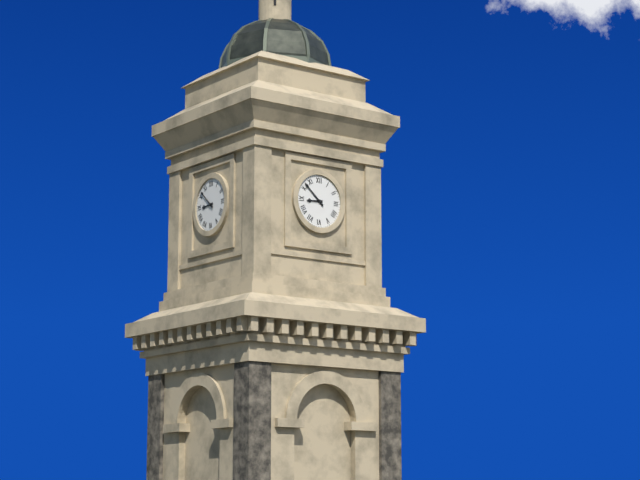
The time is 8h52
